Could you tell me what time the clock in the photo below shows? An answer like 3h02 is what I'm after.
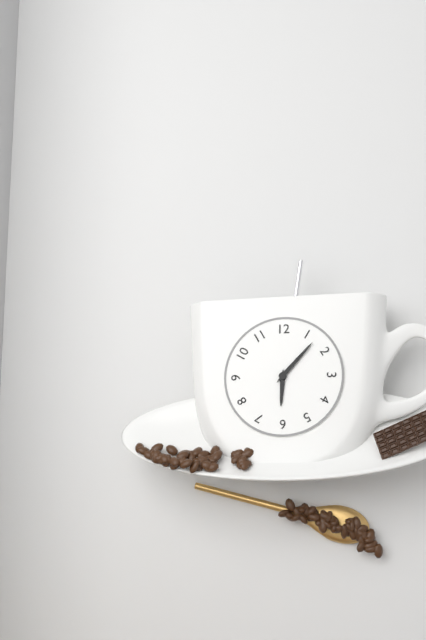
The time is 6h07
